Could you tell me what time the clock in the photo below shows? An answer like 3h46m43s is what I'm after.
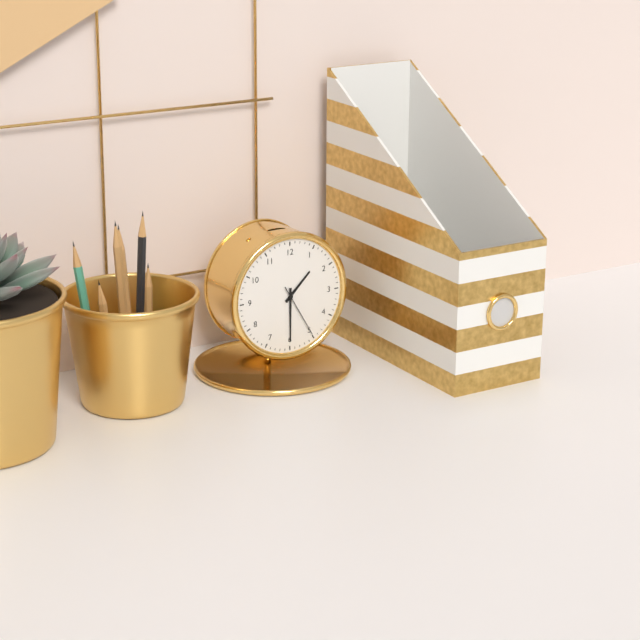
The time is 1h30m25s
